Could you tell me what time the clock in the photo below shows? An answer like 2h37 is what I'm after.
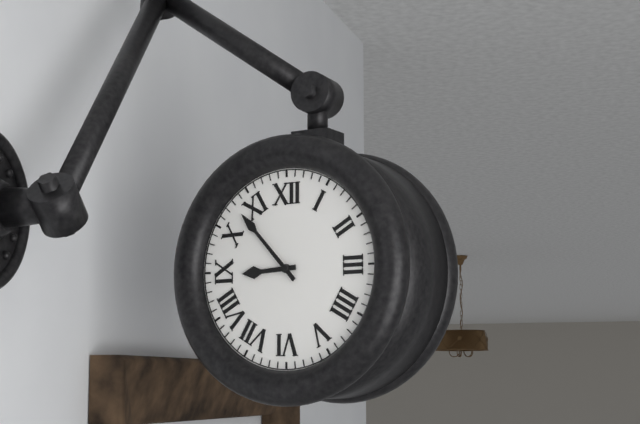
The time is 8h53
